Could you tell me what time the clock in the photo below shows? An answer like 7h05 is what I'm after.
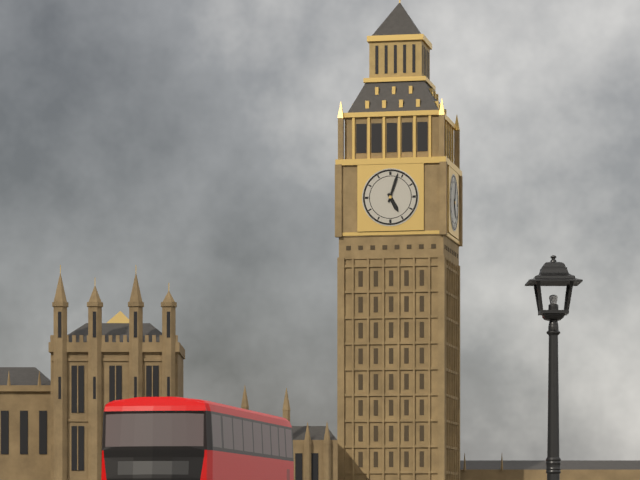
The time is 5h03
